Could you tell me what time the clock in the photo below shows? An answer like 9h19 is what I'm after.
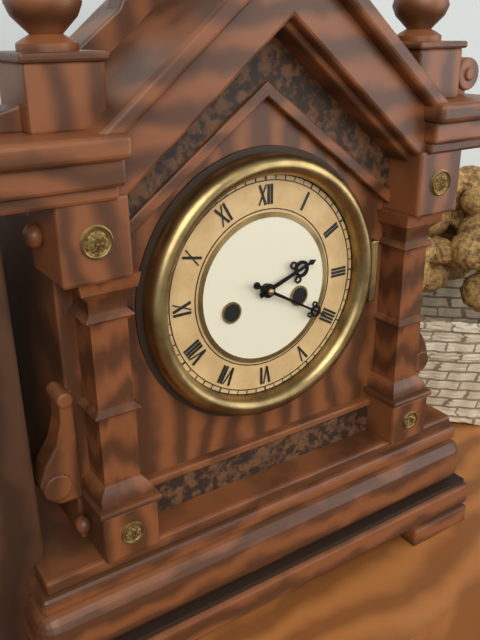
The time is 2h20
